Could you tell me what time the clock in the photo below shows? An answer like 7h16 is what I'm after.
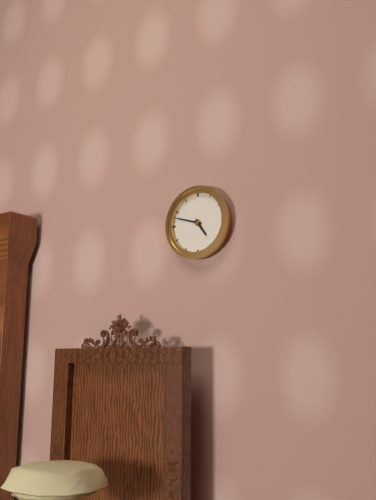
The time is 4h48
